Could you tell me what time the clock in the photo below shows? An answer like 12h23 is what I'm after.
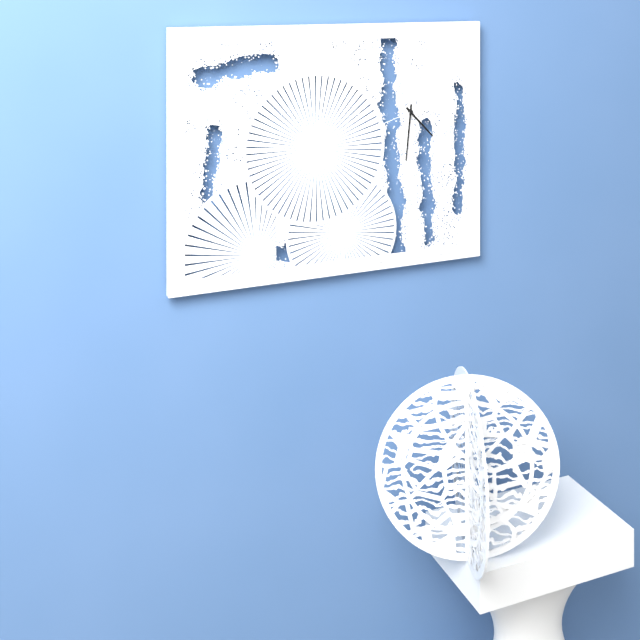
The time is 4h31
